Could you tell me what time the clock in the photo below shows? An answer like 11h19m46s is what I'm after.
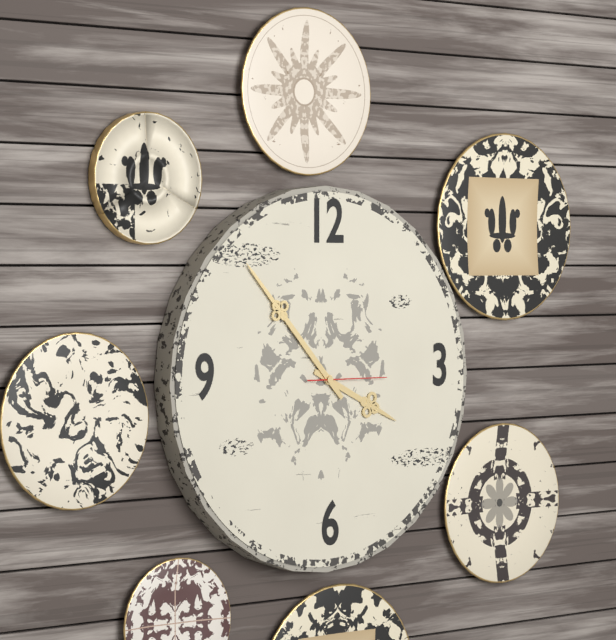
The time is 3h53m15s
